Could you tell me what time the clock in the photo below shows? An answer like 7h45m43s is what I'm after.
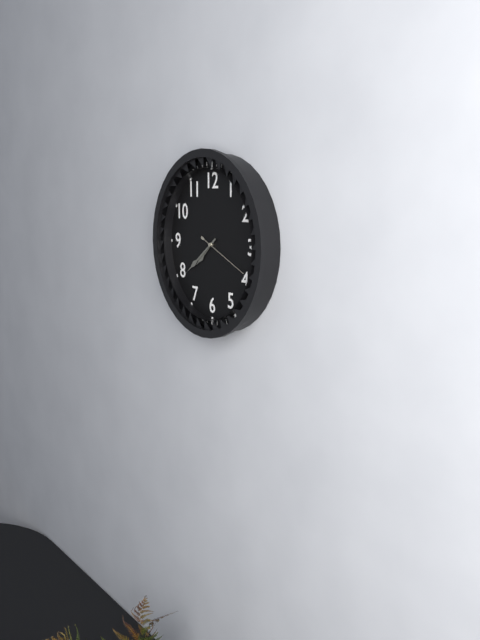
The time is 7h39m19s
